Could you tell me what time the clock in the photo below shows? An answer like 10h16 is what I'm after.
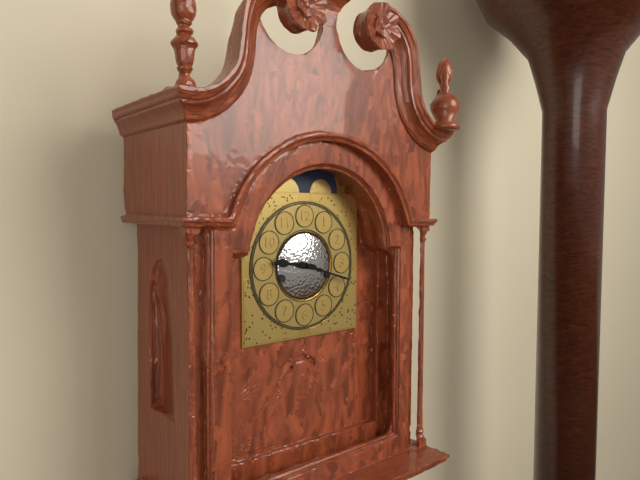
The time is 9h18
